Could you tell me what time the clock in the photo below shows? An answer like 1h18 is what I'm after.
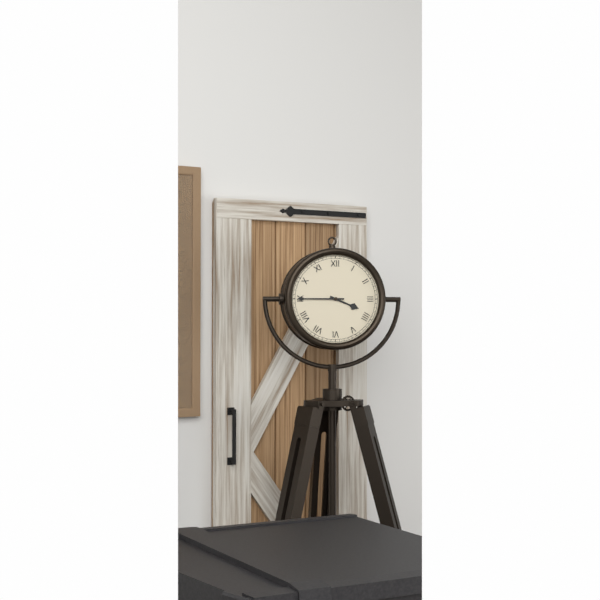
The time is 3h45
